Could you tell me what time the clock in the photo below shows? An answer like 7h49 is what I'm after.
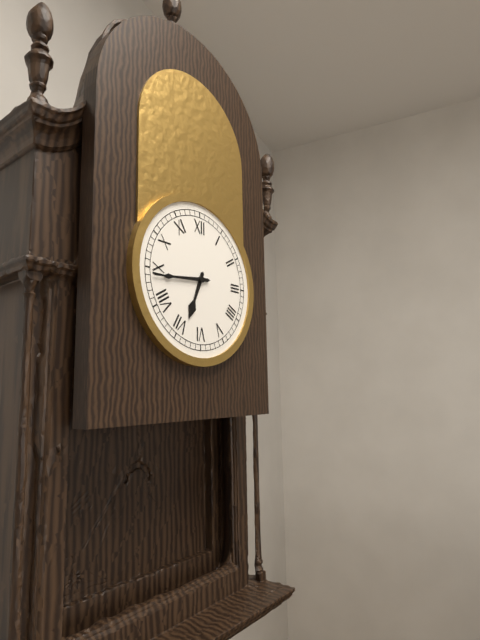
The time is 6h44
